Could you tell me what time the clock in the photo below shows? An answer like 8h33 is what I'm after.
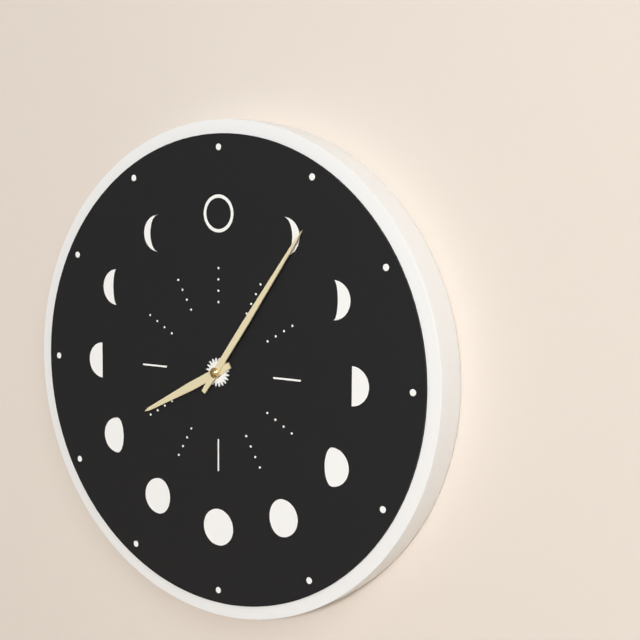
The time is 8h06
